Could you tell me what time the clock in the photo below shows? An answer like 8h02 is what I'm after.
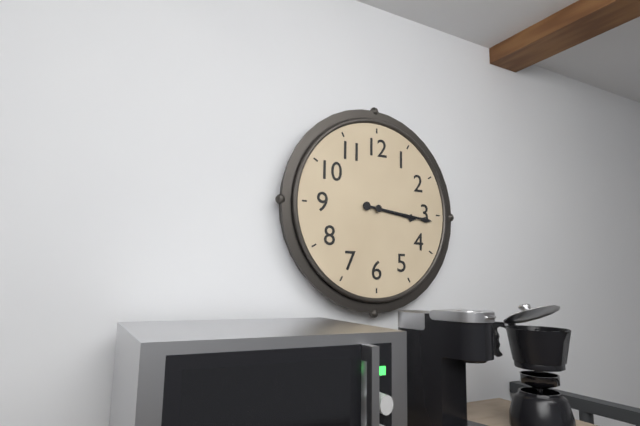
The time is 3h16
